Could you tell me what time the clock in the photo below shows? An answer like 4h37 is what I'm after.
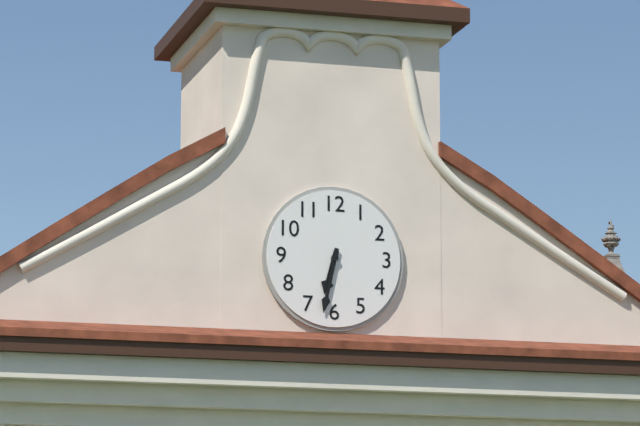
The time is 6h32
